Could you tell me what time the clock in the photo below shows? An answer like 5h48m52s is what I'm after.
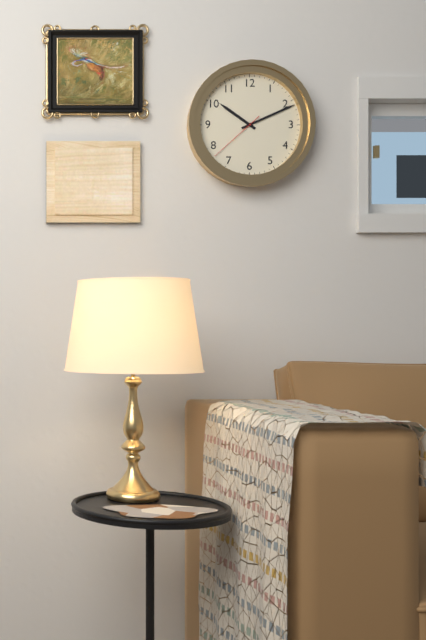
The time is 10h11m38s
